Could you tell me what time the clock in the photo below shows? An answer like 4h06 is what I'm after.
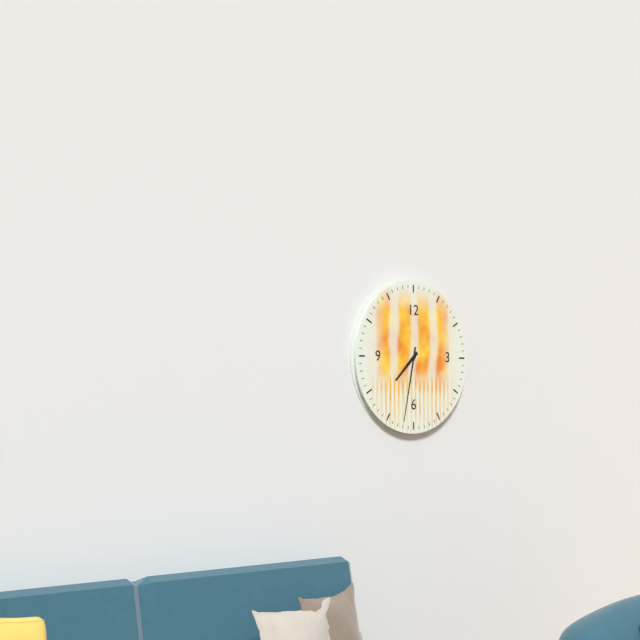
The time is 7h32
